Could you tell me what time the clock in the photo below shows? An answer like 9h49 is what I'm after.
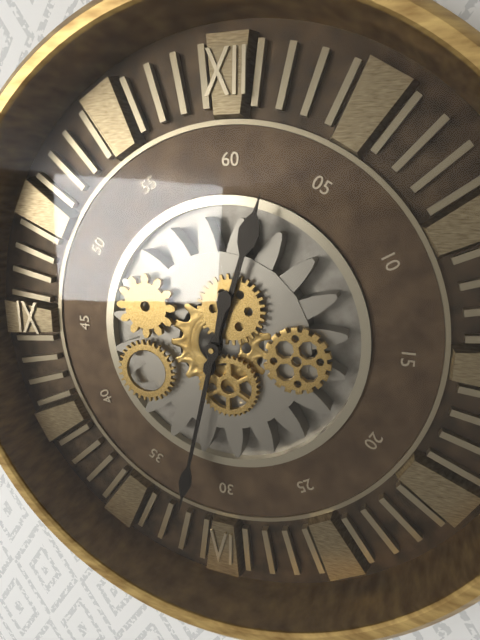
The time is 12h32
